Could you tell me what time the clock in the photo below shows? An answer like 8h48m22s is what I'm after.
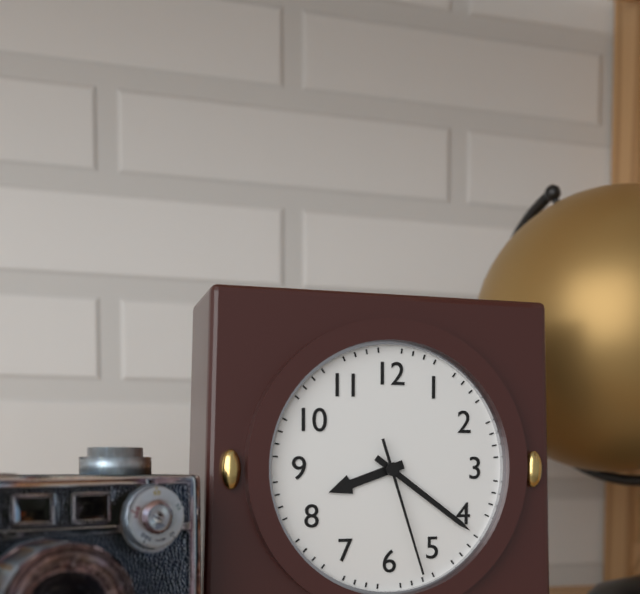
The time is 8h21m27s
